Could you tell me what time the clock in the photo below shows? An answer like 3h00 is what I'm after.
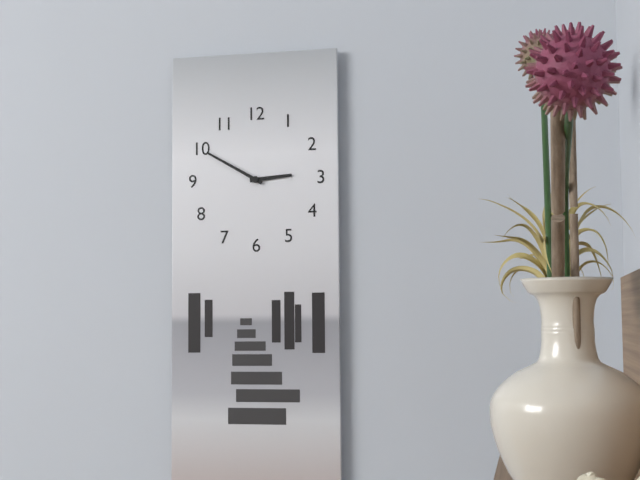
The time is 2h50
